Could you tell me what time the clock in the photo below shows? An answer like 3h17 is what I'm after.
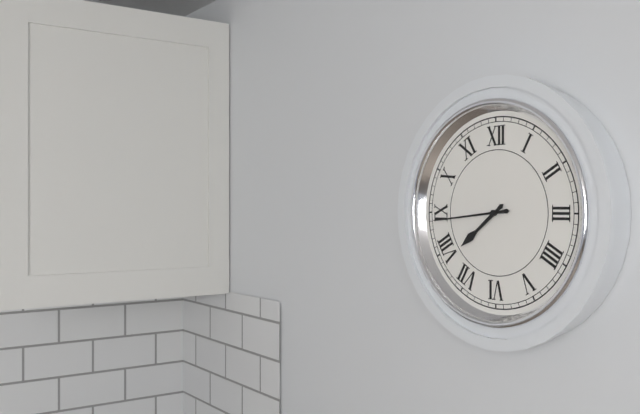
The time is 7h44
